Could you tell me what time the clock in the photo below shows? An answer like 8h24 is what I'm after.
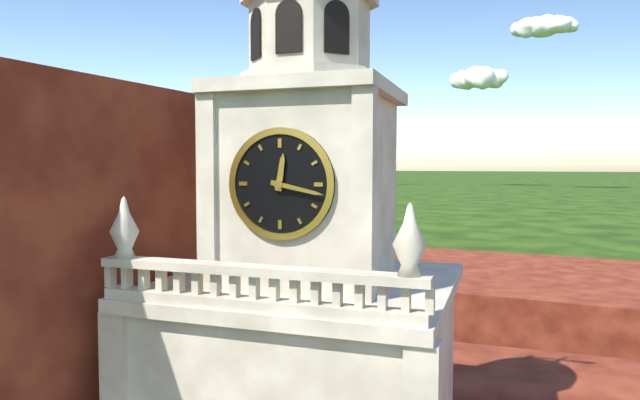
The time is 12h17
